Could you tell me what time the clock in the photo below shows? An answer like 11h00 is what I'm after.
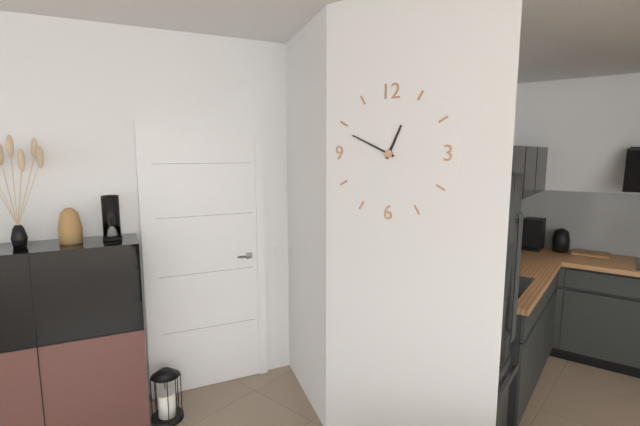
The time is 12h49
